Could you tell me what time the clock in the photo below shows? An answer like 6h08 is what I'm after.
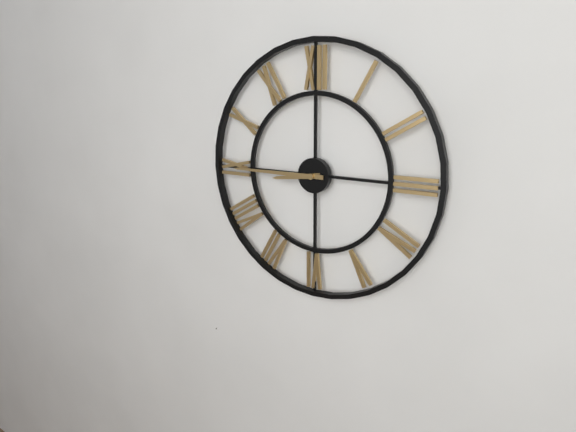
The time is 8h45
